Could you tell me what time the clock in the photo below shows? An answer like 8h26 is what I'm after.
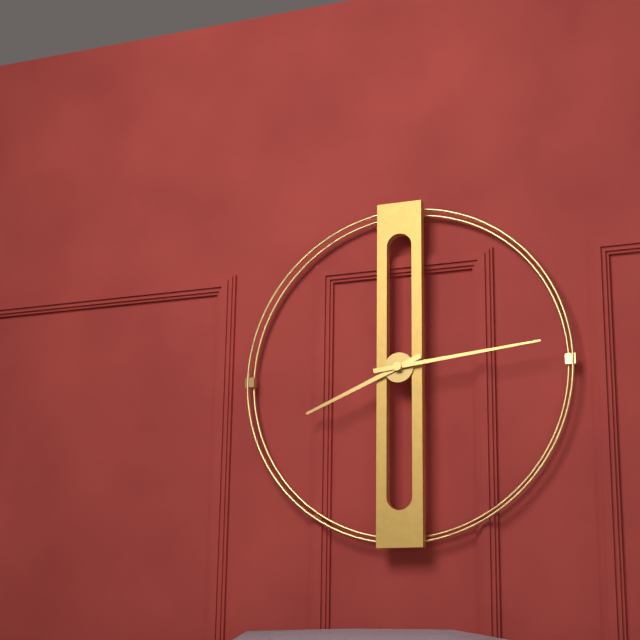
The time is 8h14
